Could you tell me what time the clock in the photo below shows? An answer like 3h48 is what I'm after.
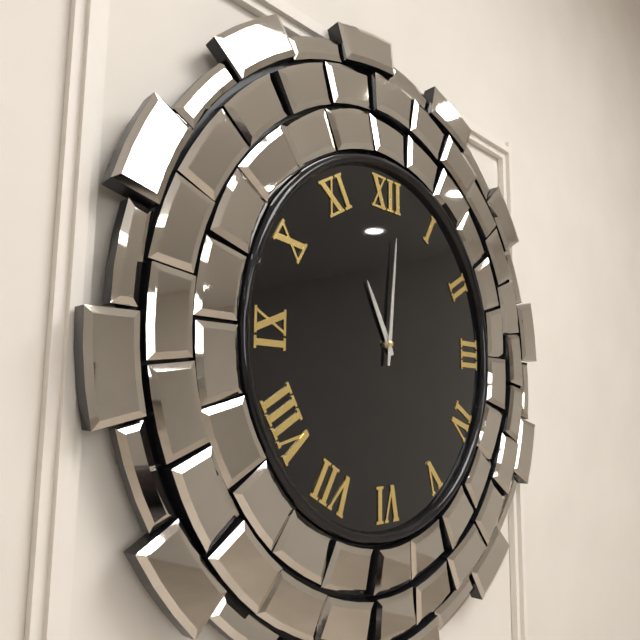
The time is 11h01
